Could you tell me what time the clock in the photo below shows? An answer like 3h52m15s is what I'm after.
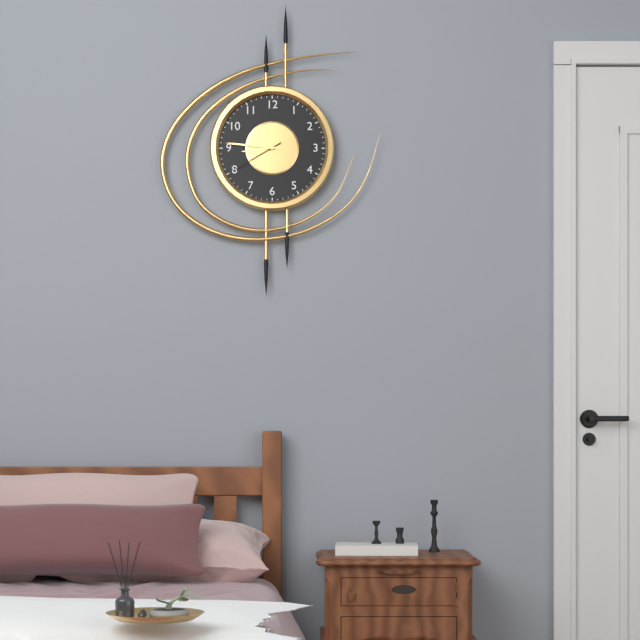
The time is 8h46m40s
